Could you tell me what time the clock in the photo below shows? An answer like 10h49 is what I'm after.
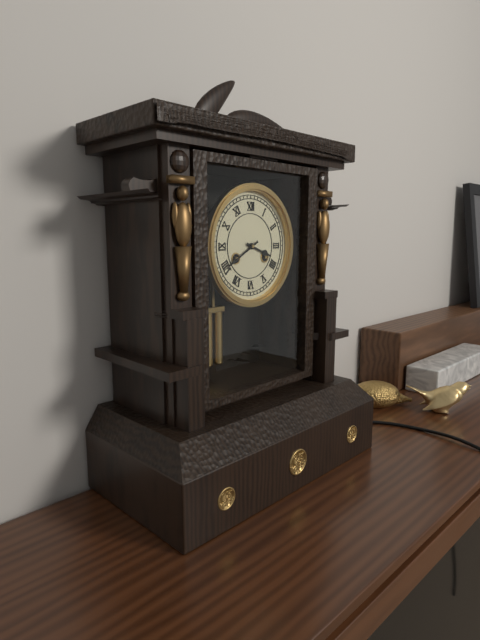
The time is 3h40
